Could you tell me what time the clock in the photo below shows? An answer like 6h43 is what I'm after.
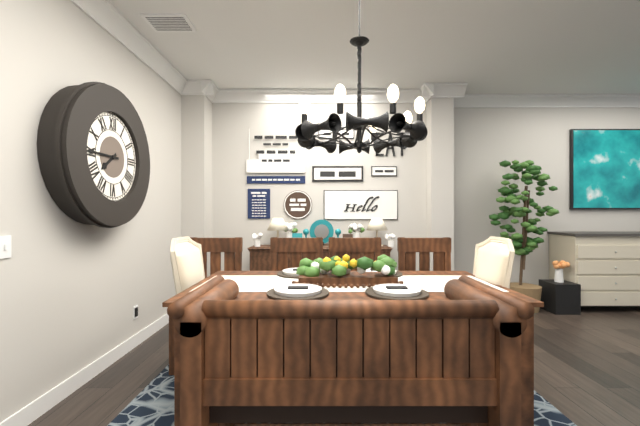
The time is 7h45
